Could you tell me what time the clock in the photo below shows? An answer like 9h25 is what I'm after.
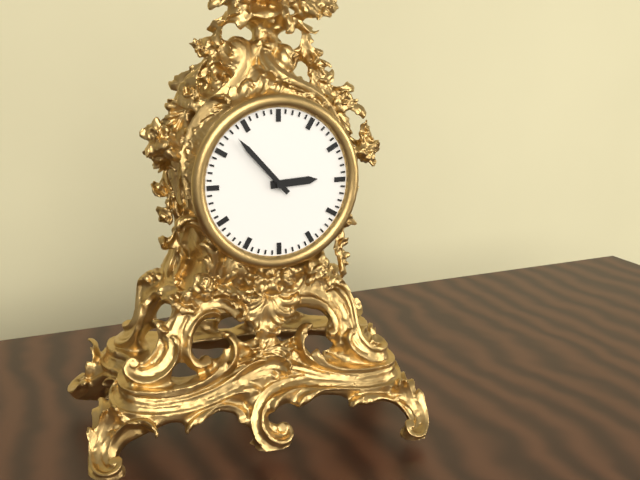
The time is 2h53
